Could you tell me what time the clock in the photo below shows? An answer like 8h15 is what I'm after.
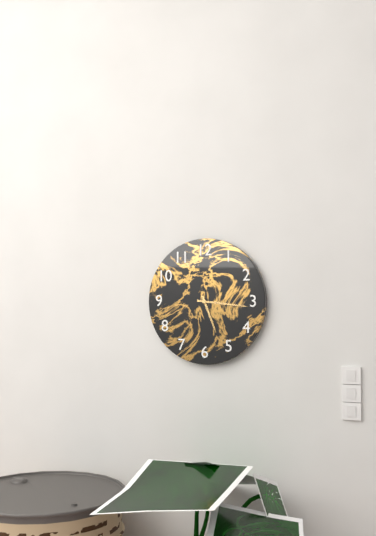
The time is 5h16
